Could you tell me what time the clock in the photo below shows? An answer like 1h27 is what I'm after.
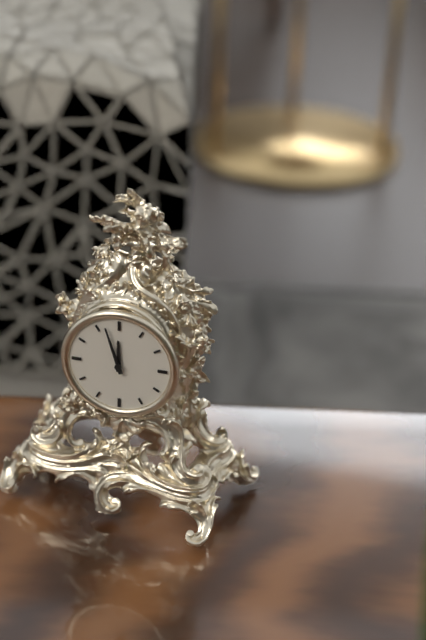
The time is 11h57
